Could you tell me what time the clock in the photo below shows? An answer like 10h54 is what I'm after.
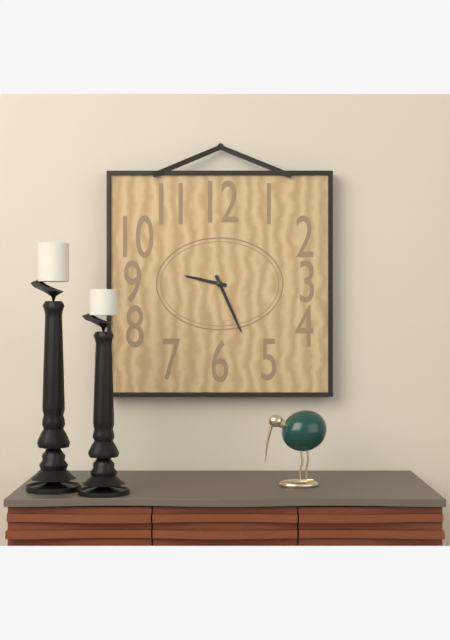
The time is 9h26
